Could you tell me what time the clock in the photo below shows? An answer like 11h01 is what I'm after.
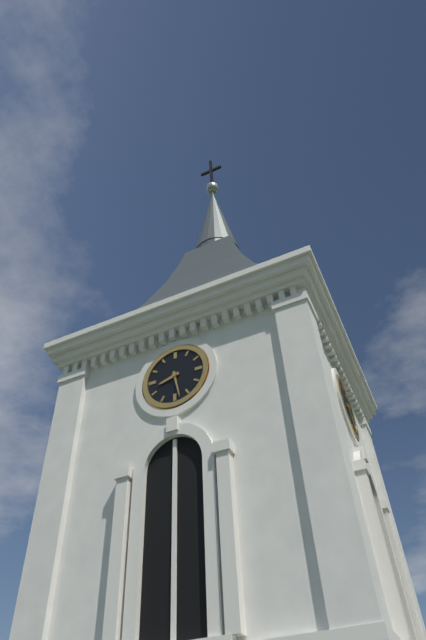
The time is 8h28
